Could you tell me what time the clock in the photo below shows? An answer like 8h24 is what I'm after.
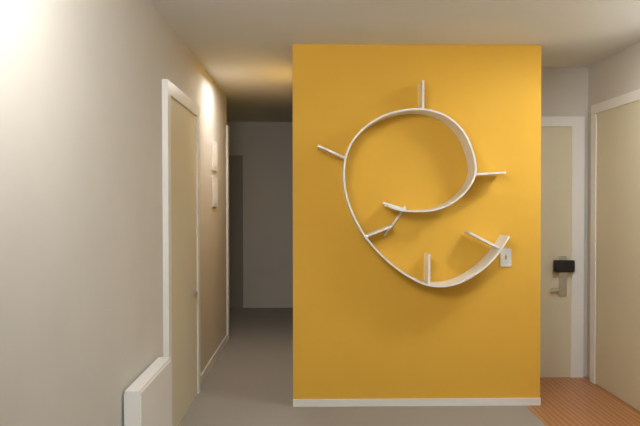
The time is 9h36
